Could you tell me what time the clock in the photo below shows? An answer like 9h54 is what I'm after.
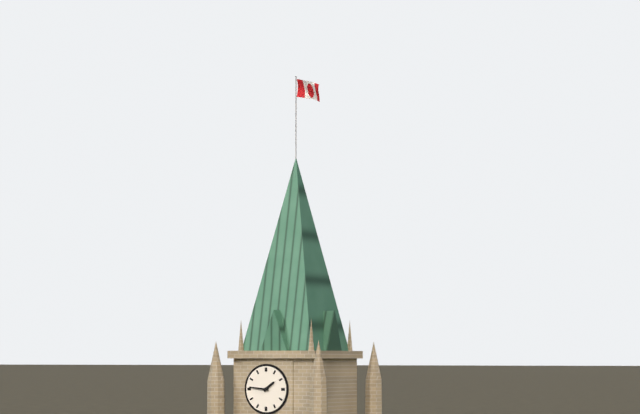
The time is 1h46
